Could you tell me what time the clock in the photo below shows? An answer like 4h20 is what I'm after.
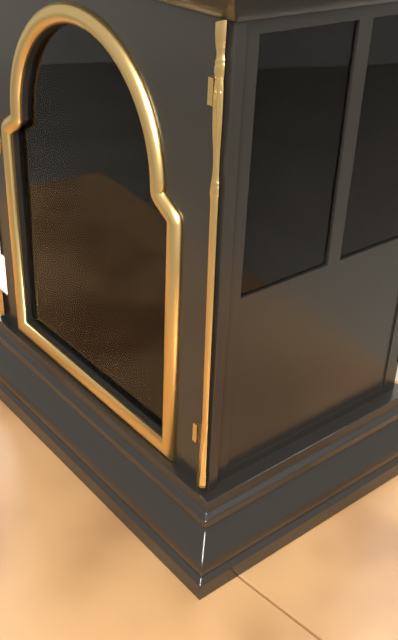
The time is 7h07
